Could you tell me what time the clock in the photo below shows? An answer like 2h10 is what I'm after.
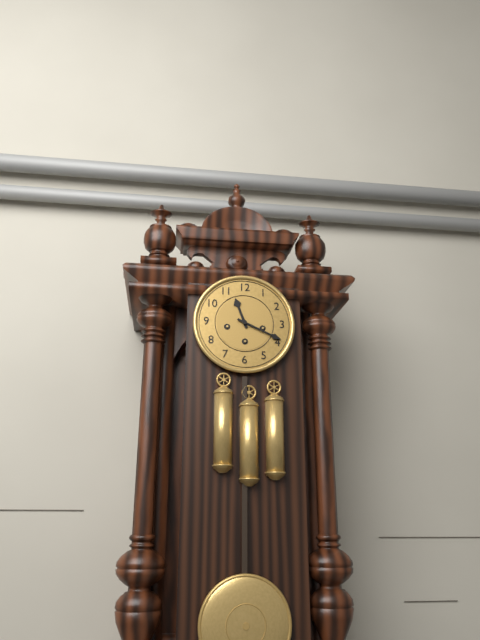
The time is 11h19
